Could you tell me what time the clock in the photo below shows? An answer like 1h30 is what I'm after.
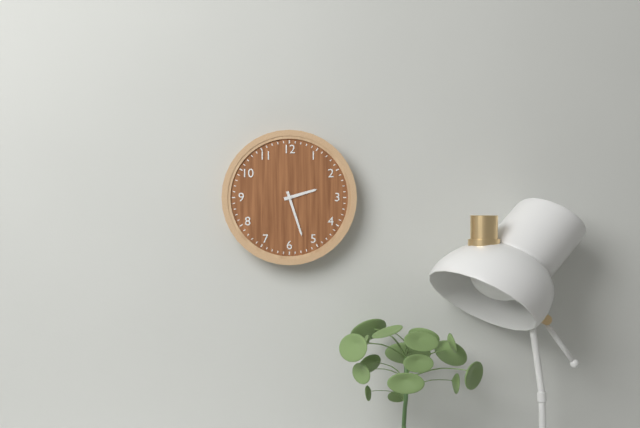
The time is 2h27
